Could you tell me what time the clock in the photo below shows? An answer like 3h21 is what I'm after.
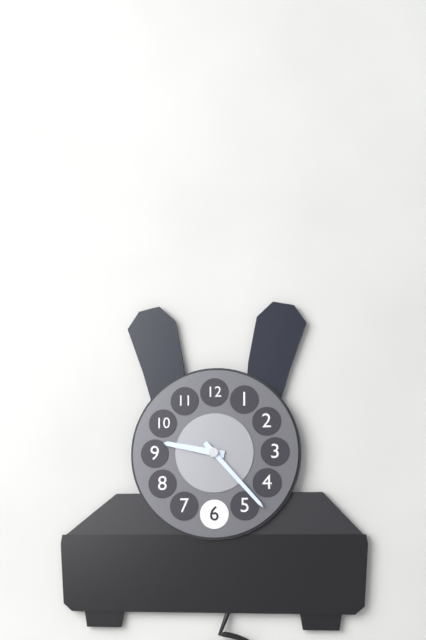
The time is 9h23
